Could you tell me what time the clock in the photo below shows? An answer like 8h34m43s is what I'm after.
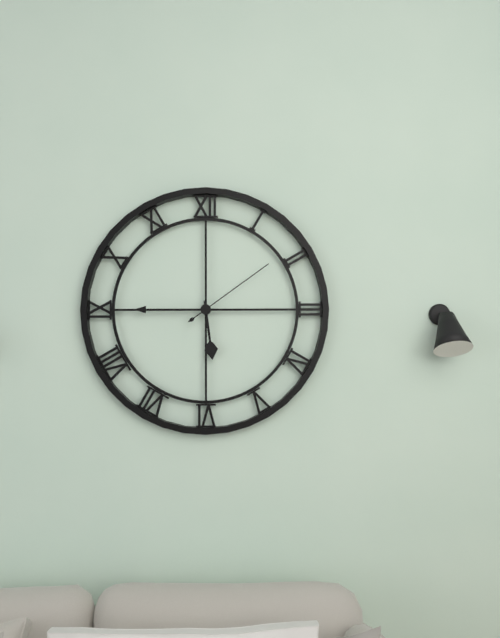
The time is 5h45m09s
